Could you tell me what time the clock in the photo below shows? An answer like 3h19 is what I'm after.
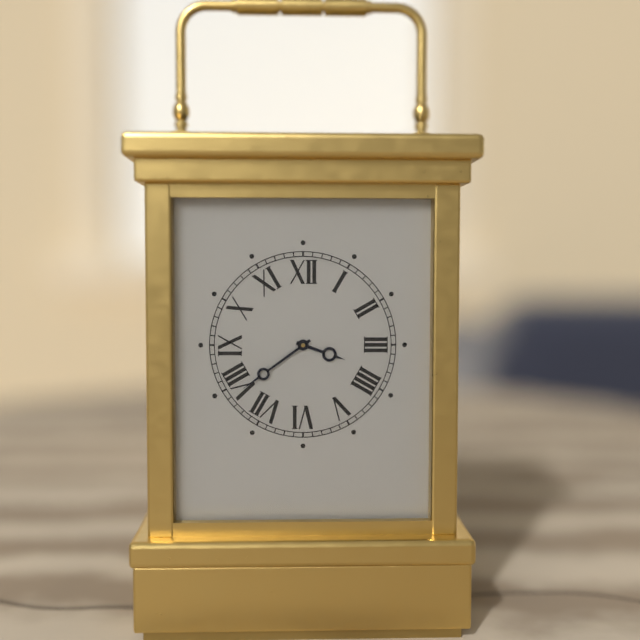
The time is 3h39
